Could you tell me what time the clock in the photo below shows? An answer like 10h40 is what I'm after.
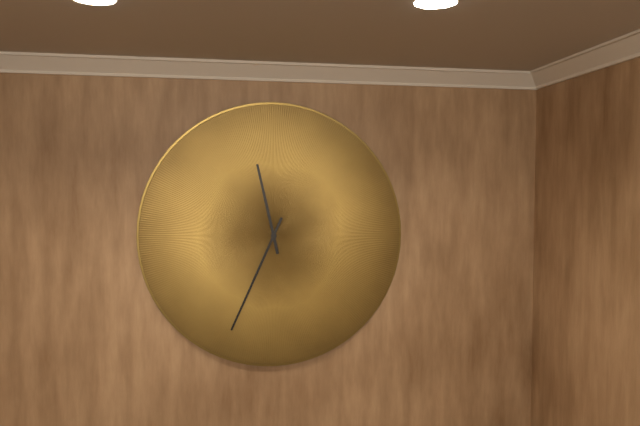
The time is 11h34
